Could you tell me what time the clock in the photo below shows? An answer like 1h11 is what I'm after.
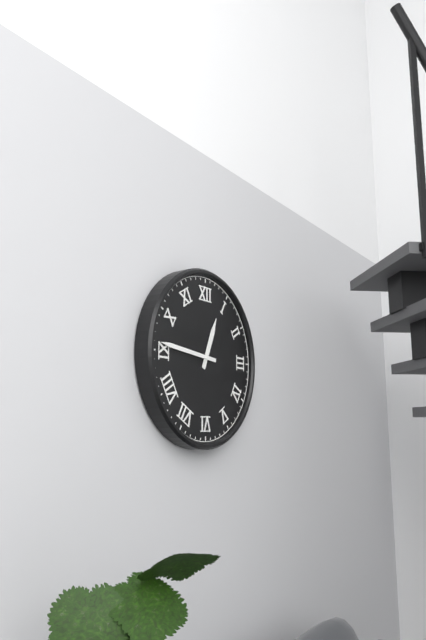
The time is 12h46
